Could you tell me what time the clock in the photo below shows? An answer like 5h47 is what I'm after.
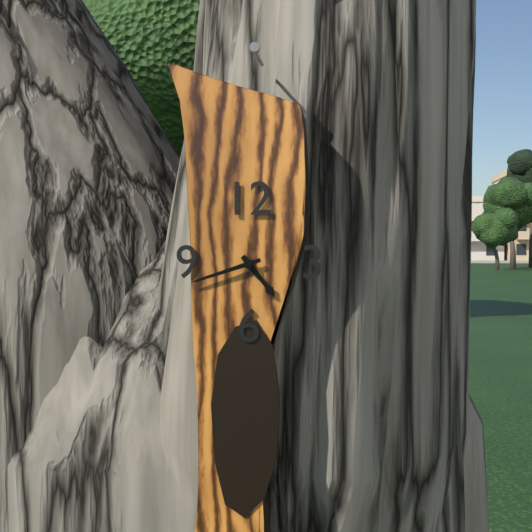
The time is 4h42
